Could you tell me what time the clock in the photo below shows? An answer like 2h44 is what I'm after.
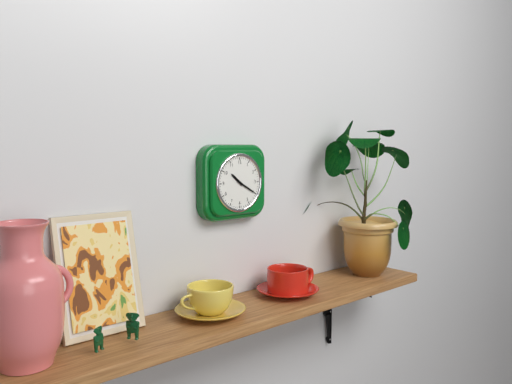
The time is 10h20
